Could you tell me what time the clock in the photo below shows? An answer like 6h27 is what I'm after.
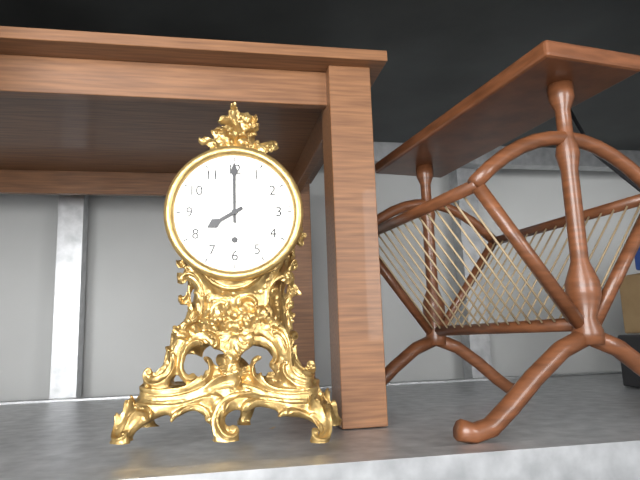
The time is 8h00
